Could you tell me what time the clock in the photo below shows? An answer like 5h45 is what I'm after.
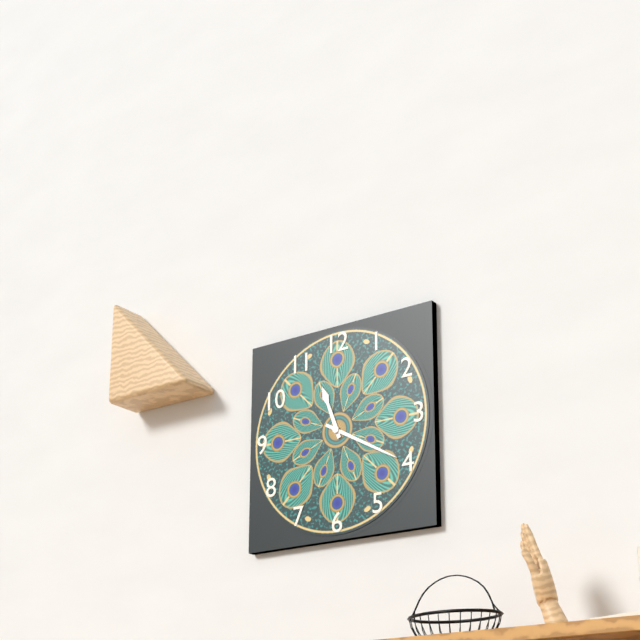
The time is 11h20
